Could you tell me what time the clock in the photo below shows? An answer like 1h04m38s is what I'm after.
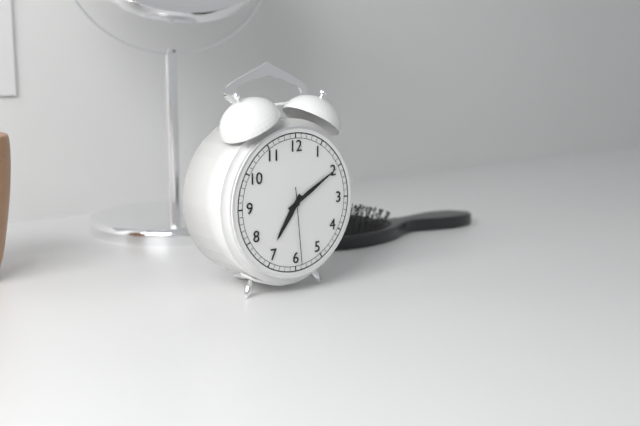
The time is 7h10m29s
